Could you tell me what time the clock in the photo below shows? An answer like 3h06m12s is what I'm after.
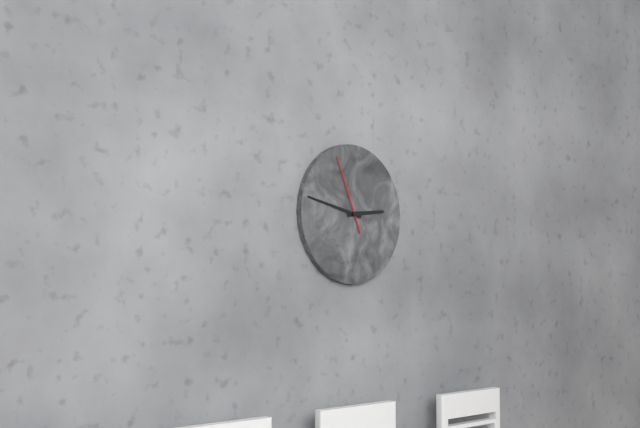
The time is 2h47m56s
